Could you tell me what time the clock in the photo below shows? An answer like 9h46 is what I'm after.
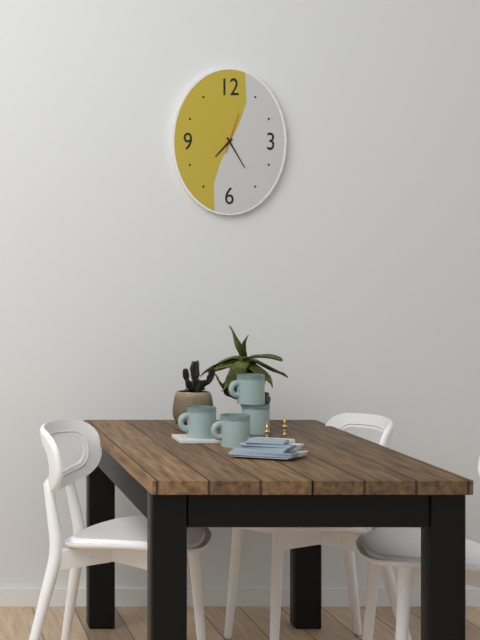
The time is 7h25
